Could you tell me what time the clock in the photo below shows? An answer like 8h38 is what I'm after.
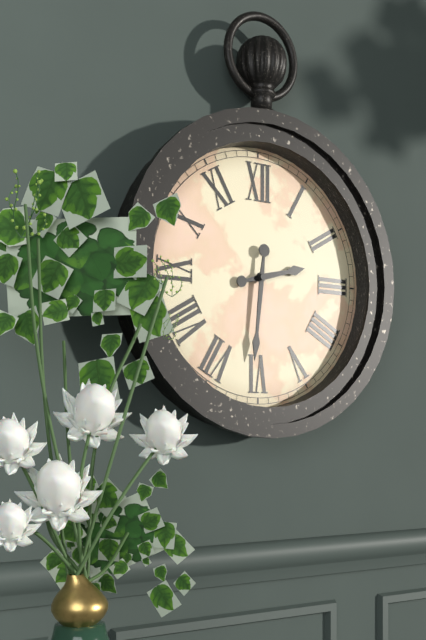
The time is 2h31
